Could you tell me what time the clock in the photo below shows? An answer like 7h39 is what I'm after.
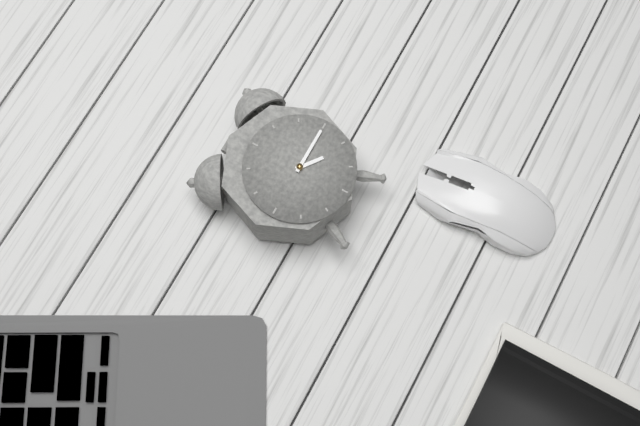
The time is 4h15
